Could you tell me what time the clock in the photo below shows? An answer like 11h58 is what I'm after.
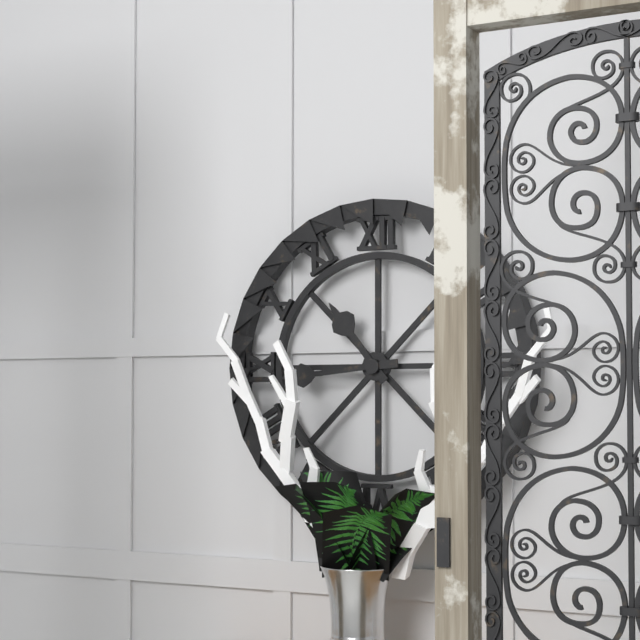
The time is 10h44
